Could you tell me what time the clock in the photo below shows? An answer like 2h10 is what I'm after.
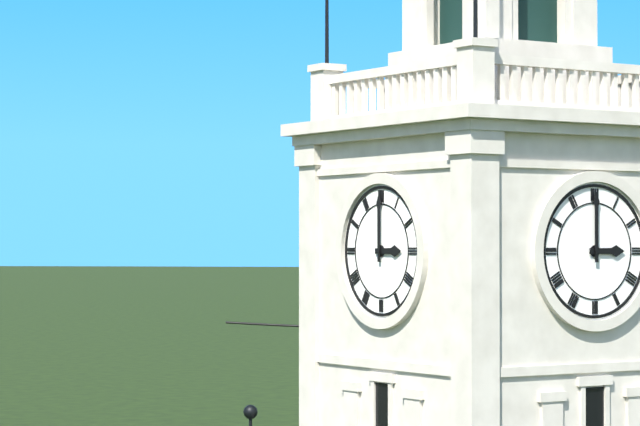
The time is 3h00
